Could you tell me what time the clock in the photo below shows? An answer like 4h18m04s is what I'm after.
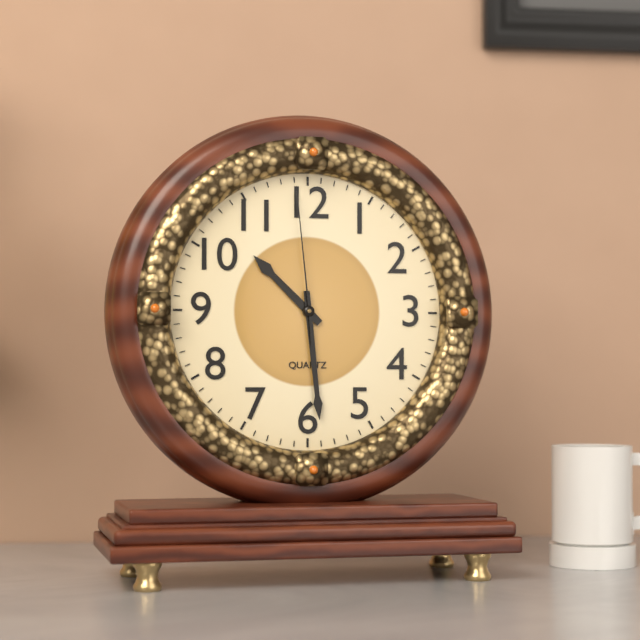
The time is 10h29m59s
